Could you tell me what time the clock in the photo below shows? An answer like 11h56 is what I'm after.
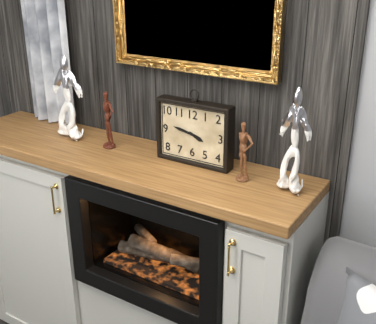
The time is 3h47
